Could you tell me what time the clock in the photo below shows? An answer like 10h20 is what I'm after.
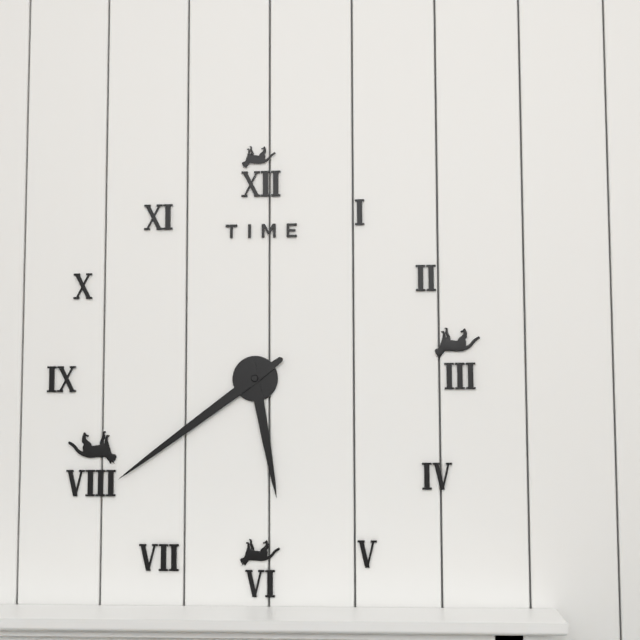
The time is 5h39
